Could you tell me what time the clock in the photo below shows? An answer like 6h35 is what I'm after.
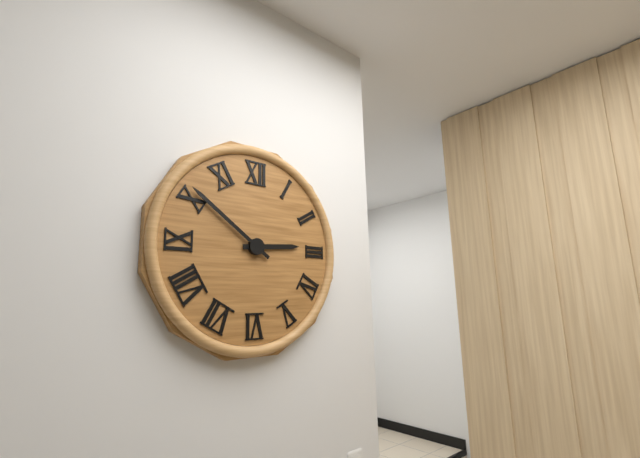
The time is 2h51
